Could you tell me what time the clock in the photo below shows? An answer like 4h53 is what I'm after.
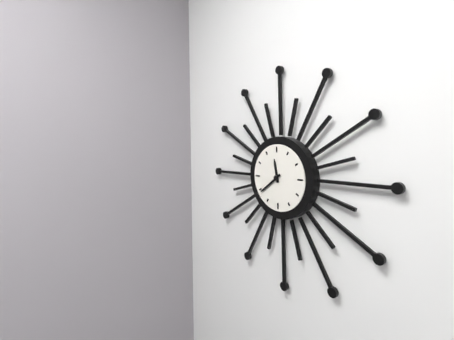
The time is 11h39
